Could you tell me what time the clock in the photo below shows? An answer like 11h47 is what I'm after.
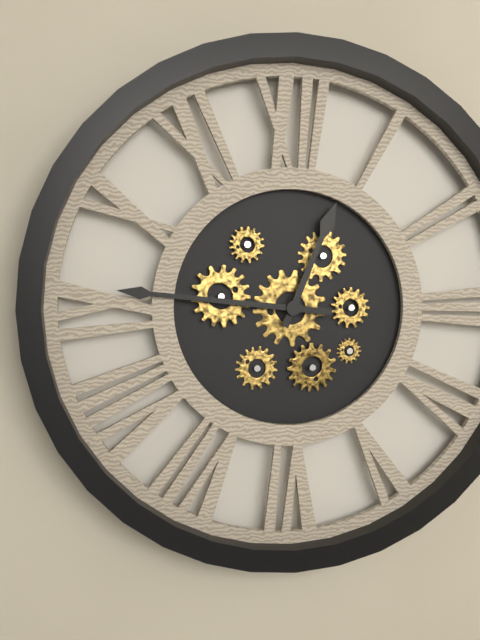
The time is 12h46
